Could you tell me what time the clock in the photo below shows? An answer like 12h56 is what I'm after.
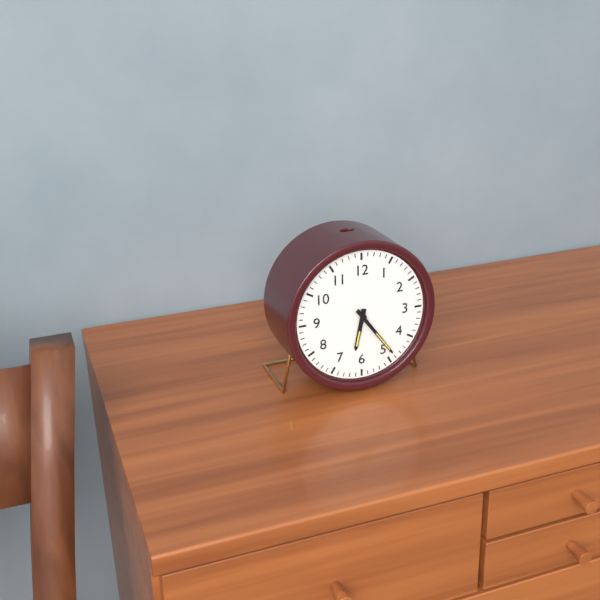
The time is 6h24
